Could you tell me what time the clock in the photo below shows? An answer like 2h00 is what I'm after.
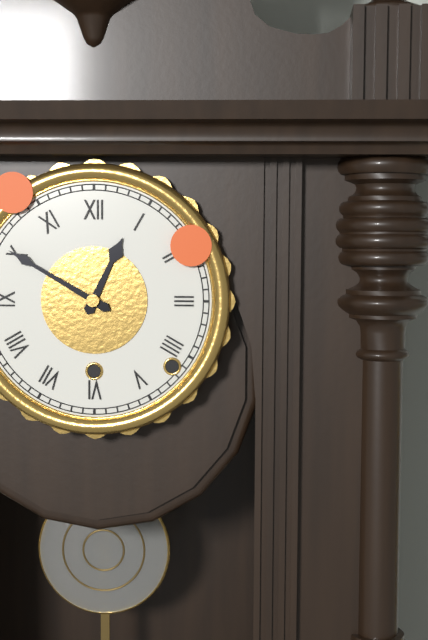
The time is 12h50
